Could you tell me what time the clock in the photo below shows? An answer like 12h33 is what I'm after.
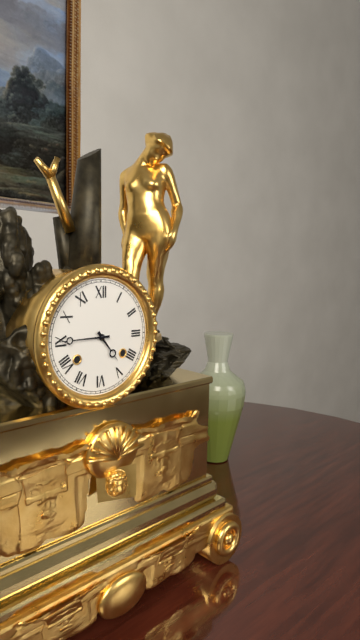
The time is 4h45
